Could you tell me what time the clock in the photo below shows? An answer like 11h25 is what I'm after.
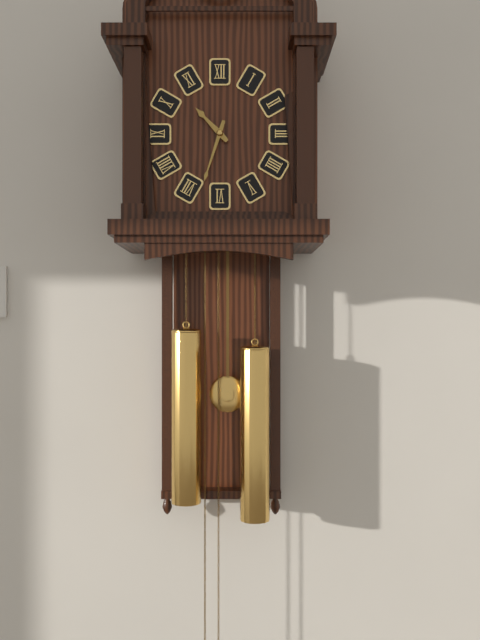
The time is 10h33
